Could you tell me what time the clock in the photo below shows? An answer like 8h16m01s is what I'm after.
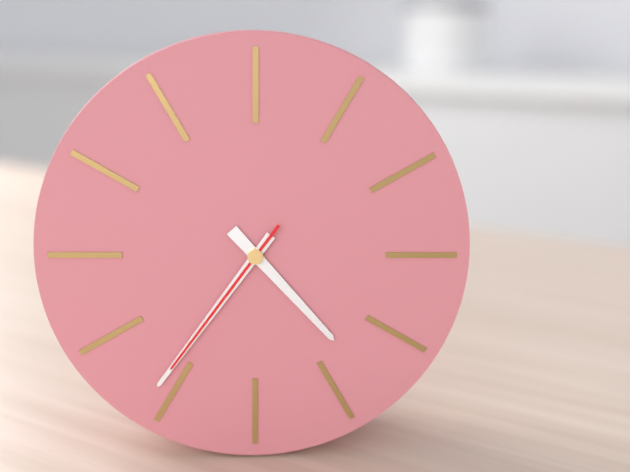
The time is 4h36m36s
